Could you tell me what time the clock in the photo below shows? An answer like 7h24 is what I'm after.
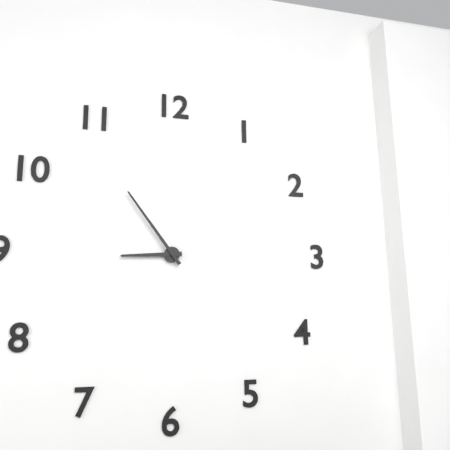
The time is 8h54
